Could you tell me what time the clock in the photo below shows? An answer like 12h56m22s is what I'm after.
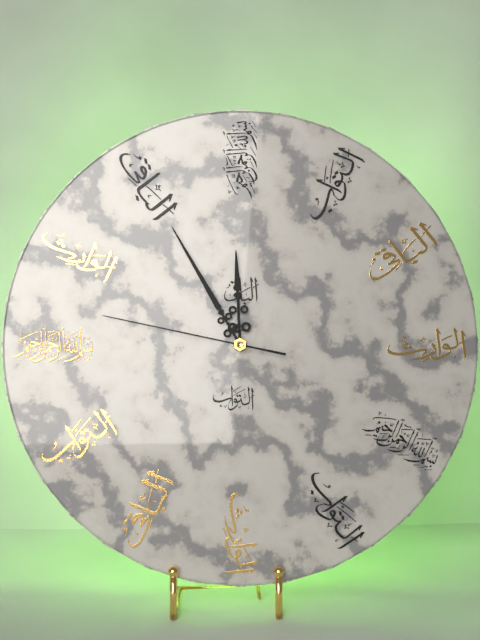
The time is 11h55m47s
